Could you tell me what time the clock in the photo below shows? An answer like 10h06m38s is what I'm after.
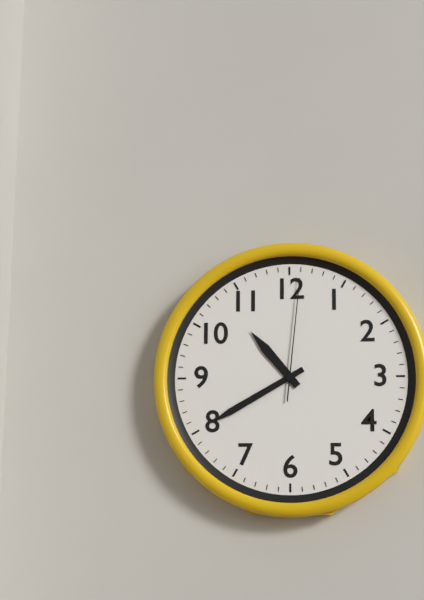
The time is 10h40m01s
